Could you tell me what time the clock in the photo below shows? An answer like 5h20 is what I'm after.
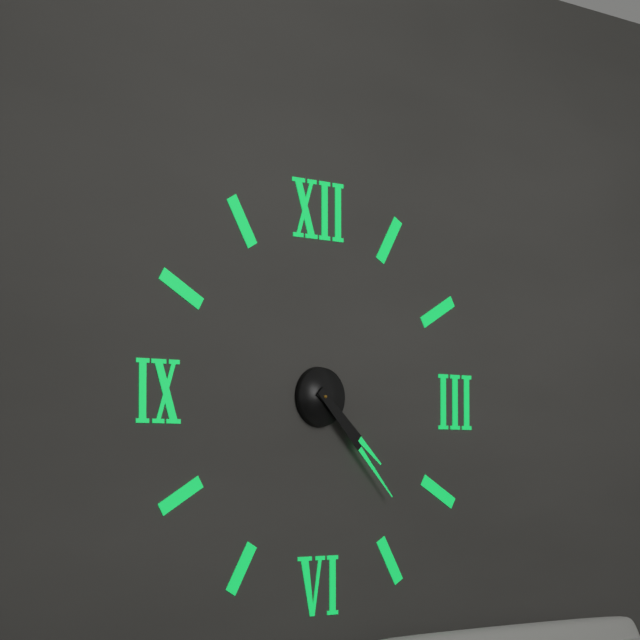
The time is 4h23
